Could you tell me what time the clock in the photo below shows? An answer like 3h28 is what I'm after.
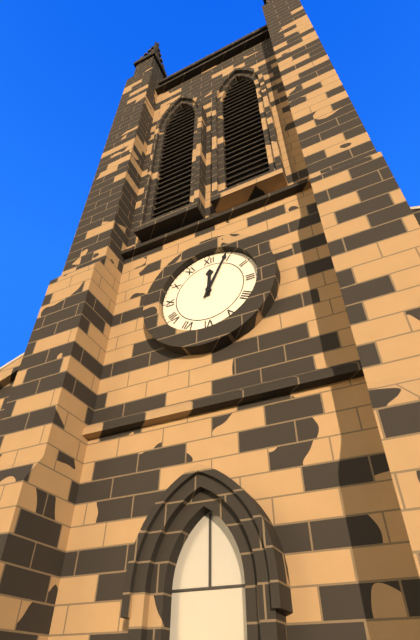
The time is 12h04
